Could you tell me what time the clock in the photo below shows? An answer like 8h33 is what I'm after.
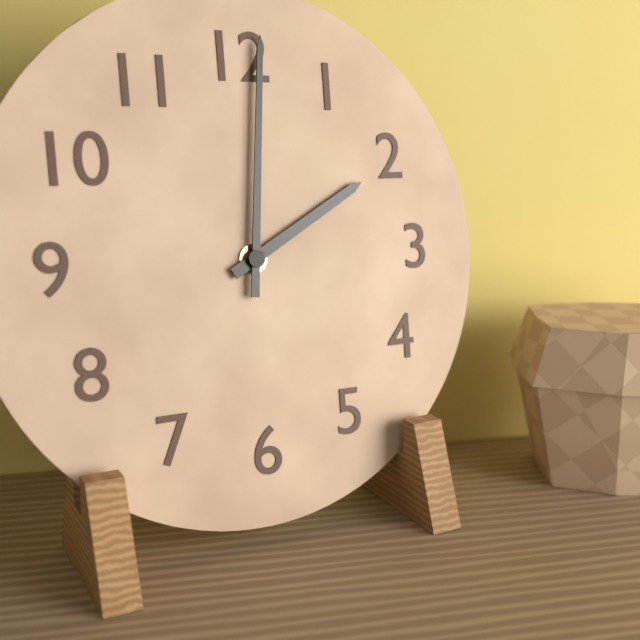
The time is 2h01
